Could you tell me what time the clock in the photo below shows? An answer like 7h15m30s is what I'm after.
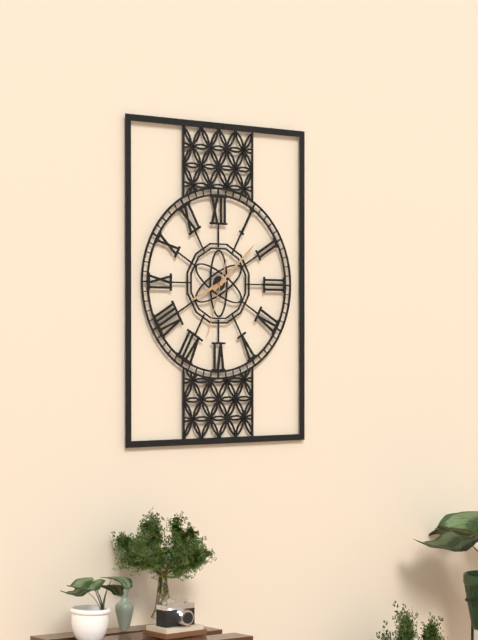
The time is 8h08m33s
